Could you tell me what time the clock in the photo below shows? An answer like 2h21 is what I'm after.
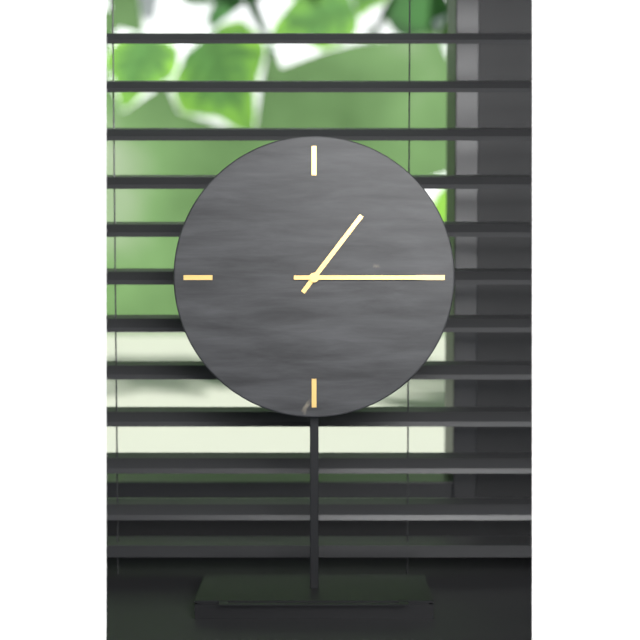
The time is 1h15
